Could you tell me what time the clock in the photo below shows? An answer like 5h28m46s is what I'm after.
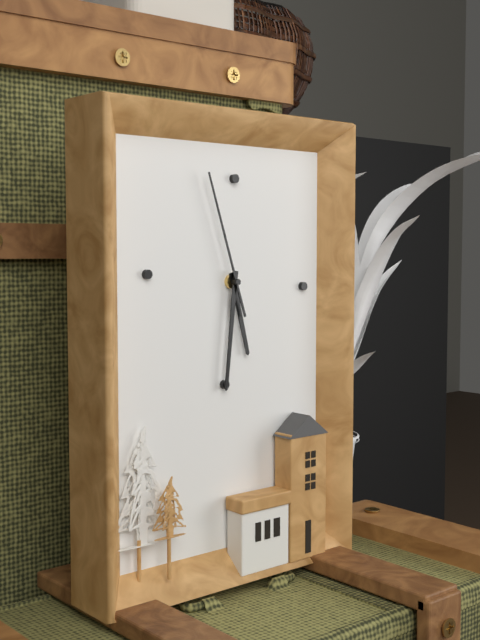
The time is 5h31m57s
